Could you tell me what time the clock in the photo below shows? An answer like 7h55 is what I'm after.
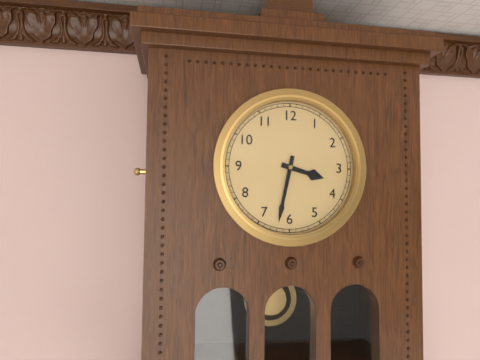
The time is 3h32
